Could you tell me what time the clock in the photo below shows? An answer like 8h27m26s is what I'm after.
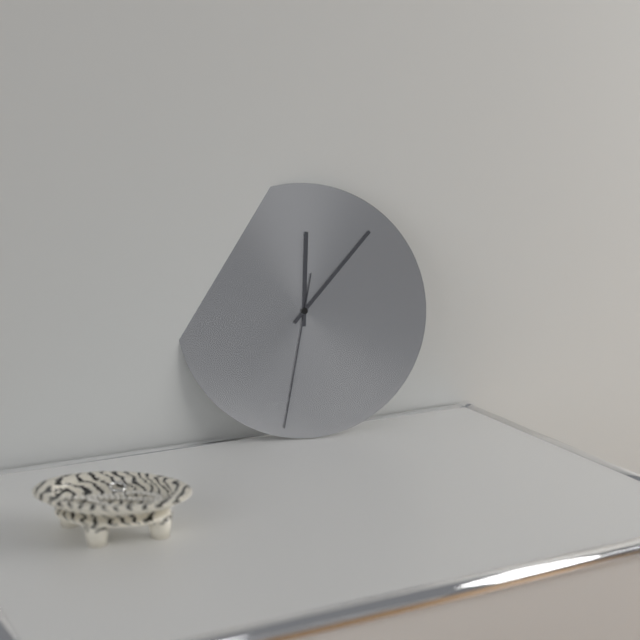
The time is 12h07m32s
